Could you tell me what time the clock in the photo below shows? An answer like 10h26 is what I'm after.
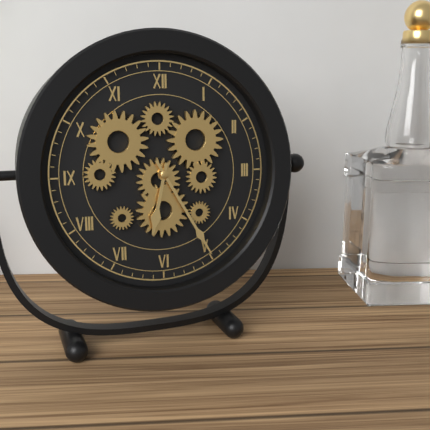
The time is 6h25
